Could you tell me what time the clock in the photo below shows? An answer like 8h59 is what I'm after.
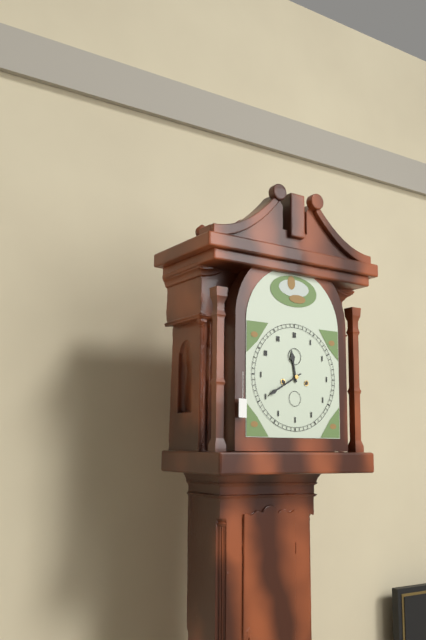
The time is 11h40
